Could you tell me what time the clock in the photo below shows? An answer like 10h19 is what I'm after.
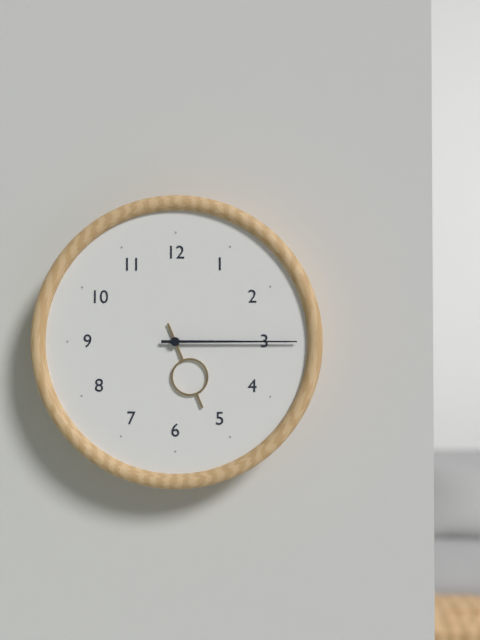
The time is 5h15
